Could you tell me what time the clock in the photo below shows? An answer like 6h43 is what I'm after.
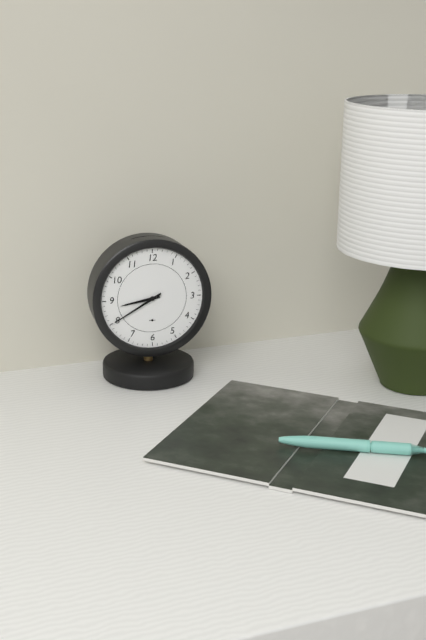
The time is 8h40
